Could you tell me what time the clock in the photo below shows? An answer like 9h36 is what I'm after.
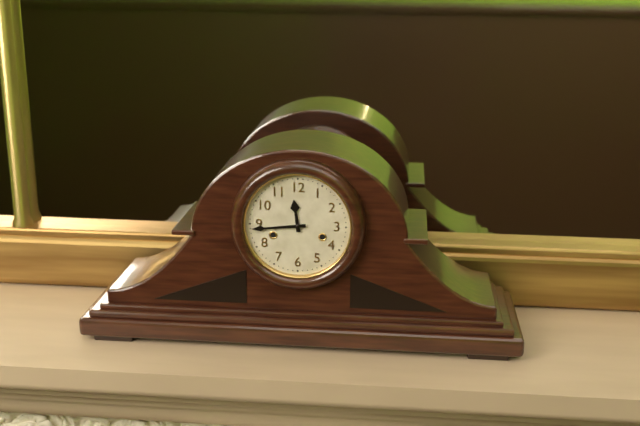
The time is 11h44
